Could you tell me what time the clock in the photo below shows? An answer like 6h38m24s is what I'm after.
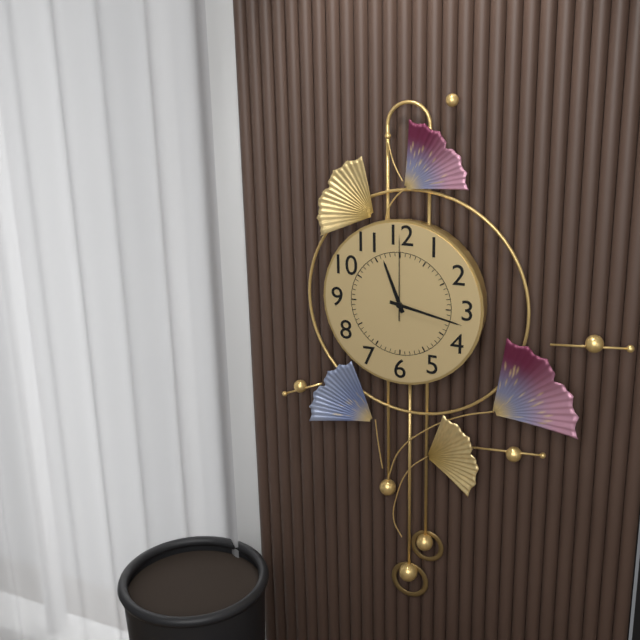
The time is 11h17m00s
